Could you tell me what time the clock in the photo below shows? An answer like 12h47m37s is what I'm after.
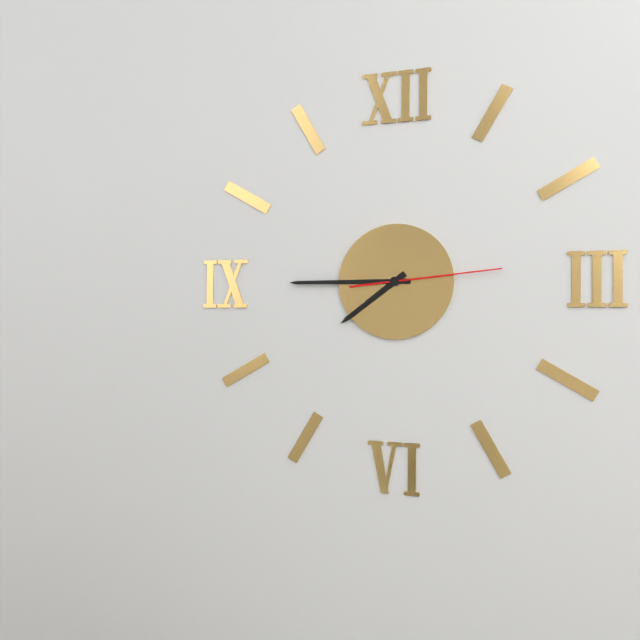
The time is 7h45m14s
